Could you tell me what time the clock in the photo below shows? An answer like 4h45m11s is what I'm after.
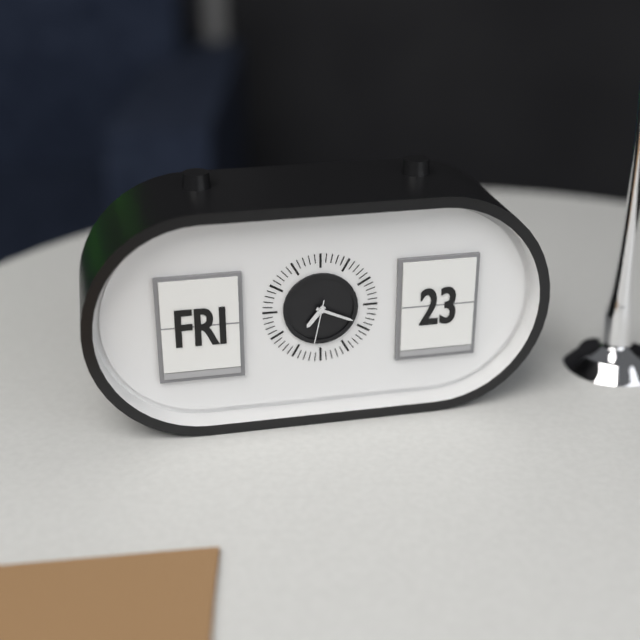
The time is 7h19m32s
